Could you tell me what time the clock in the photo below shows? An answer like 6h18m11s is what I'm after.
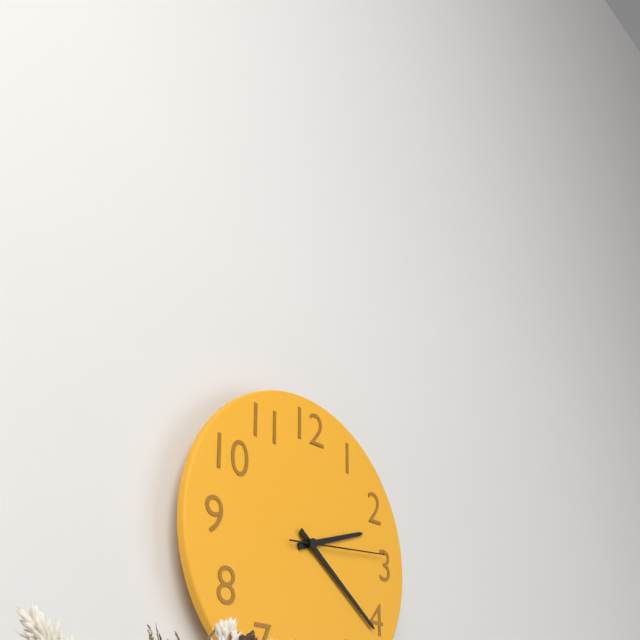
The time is 2h21m14s
